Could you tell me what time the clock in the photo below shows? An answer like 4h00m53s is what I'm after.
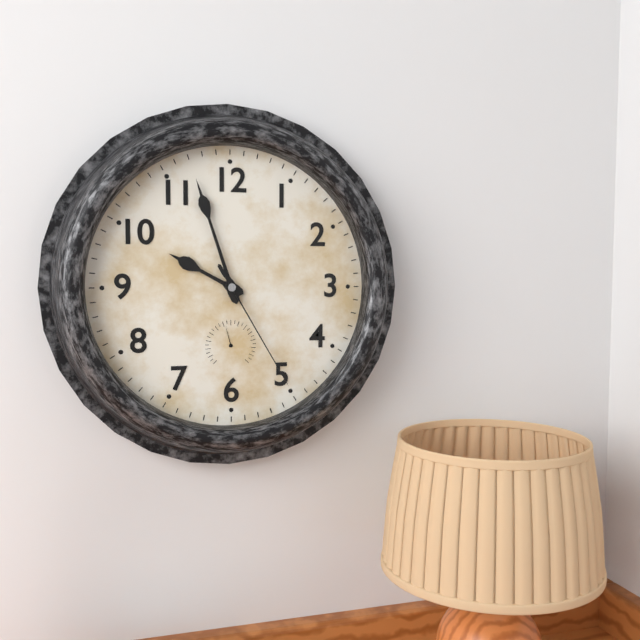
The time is 9h57m25s
